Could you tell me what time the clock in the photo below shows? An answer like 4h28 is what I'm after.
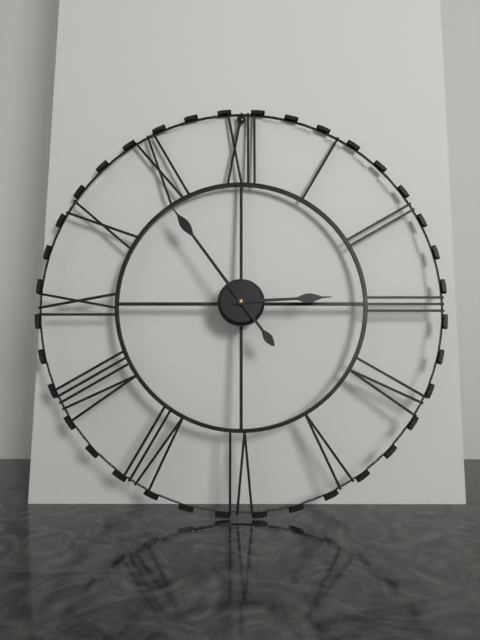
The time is 2h54
